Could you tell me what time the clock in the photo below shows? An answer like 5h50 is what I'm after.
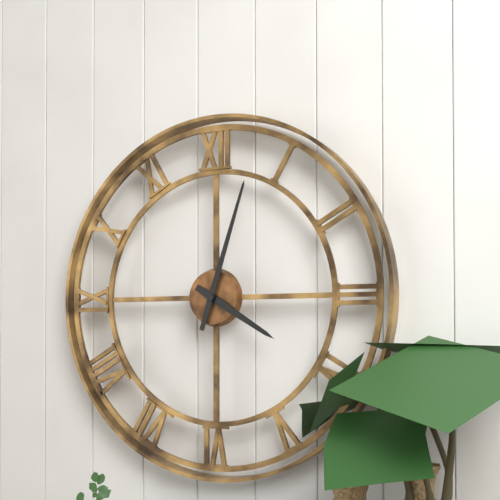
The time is 4h03
